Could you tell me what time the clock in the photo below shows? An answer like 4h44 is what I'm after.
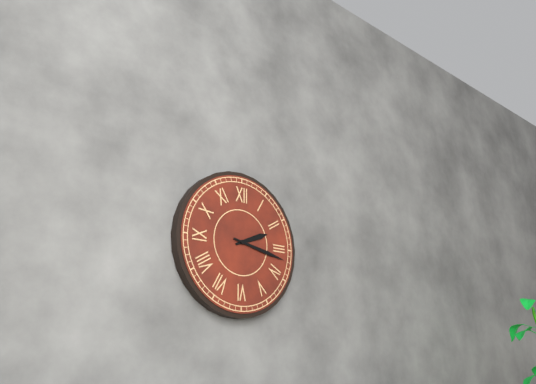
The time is 2h17
